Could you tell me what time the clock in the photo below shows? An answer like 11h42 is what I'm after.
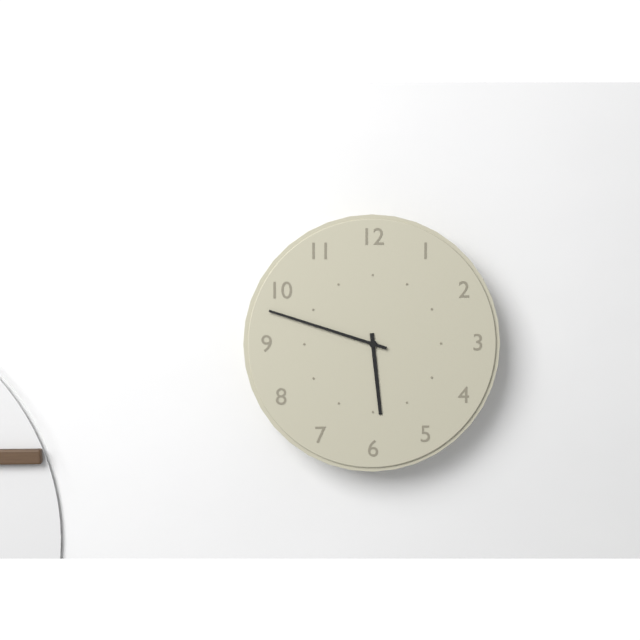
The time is 5h48
